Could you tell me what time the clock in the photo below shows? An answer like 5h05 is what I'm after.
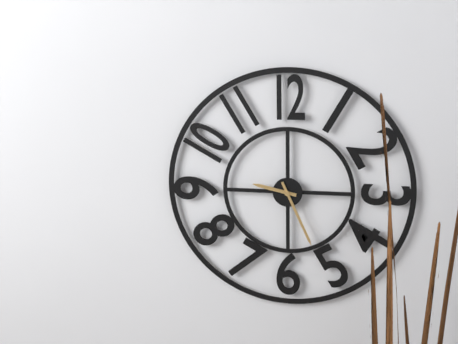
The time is 9h26
